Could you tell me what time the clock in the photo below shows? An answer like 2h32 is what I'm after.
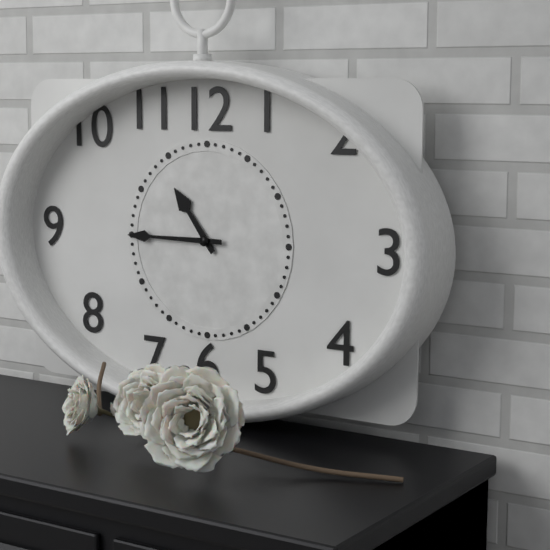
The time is 10h45
